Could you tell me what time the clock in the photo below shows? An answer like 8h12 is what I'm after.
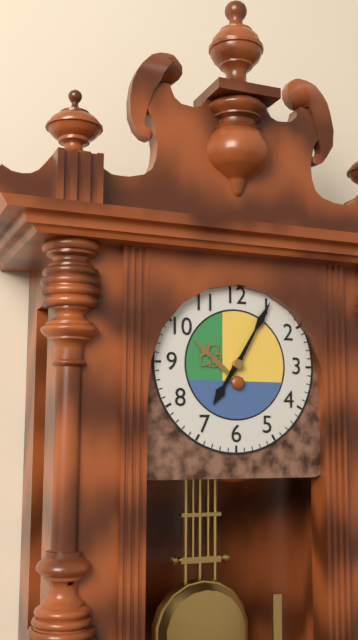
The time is 7h05
